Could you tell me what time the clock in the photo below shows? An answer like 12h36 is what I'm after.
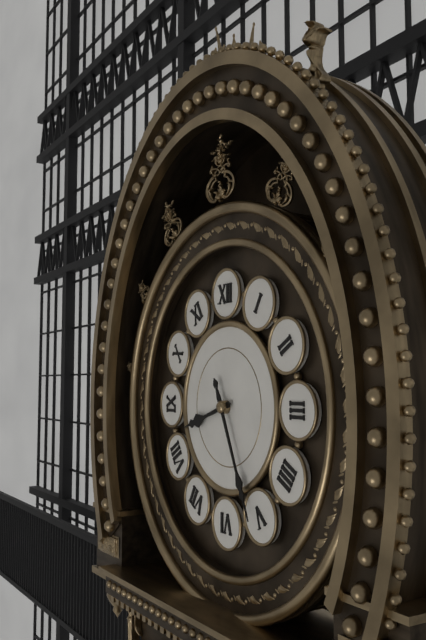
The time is 8h26
